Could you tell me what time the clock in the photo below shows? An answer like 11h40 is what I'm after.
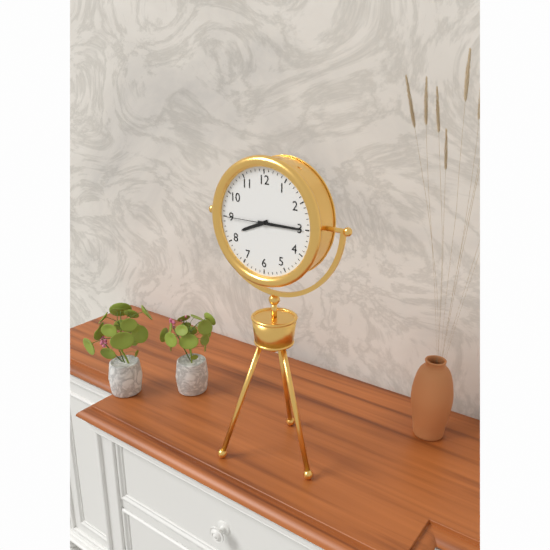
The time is 8h15
